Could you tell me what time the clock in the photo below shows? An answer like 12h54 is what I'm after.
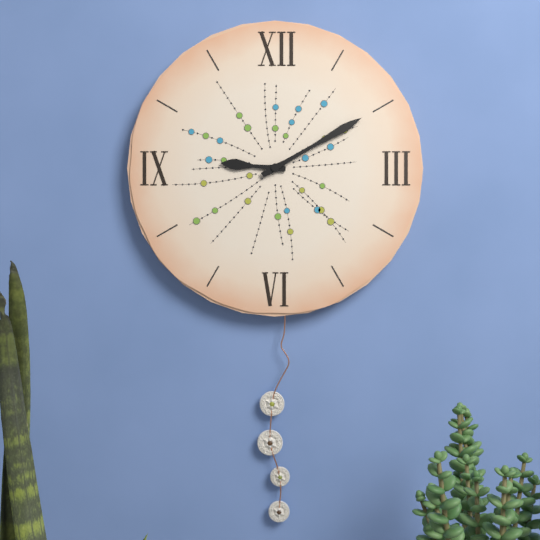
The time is 9h10
